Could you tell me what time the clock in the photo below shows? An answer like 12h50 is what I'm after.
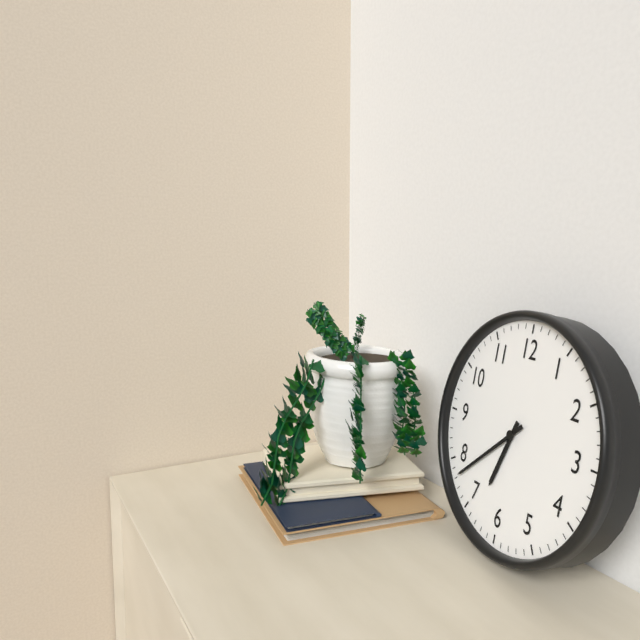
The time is 6h38
